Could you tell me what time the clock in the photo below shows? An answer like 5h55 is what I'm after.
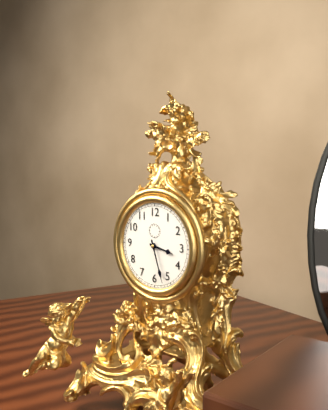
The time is 3h27
